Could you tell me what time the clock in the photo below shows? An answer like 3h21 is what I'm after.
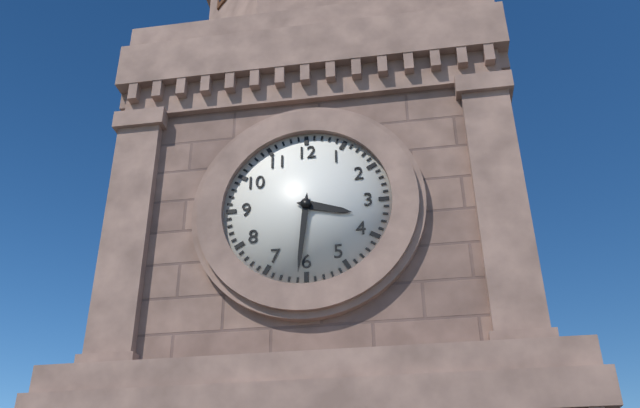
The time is 3h31
